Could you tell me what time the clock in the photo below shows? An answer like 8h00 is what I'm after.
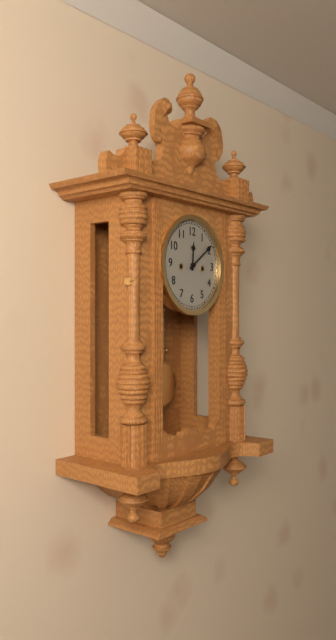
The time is 12h09
